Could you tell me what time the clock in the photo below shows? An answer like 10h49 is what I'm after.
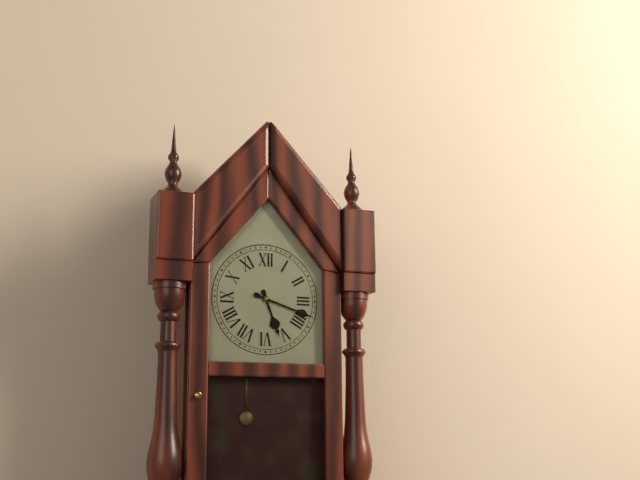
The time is 5h18
